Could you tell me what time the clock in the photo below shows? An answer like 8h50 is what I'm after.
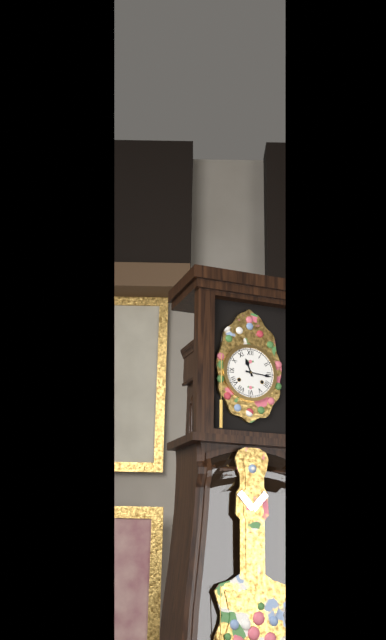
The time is 11h16
